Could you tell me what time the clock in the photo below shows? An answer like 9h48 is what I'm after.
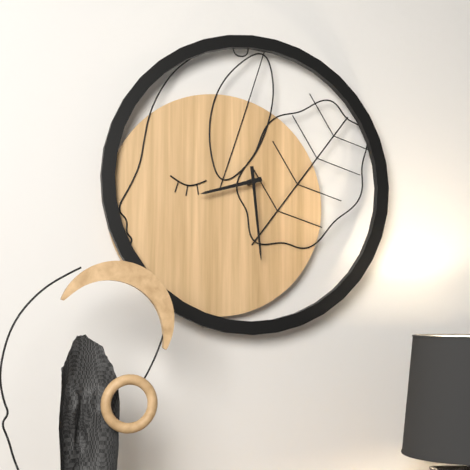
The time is 8h29
